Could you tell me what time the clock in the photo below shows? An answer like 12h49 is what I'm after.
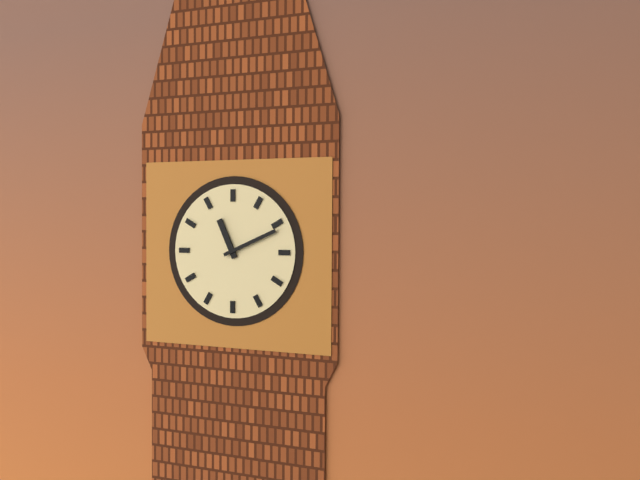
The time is 11h11
